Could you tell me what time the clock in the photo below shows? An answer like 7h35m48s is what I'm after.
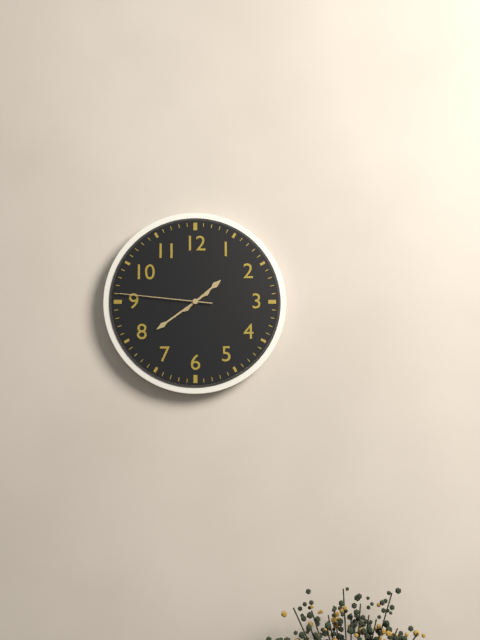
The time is 1h39m46s
